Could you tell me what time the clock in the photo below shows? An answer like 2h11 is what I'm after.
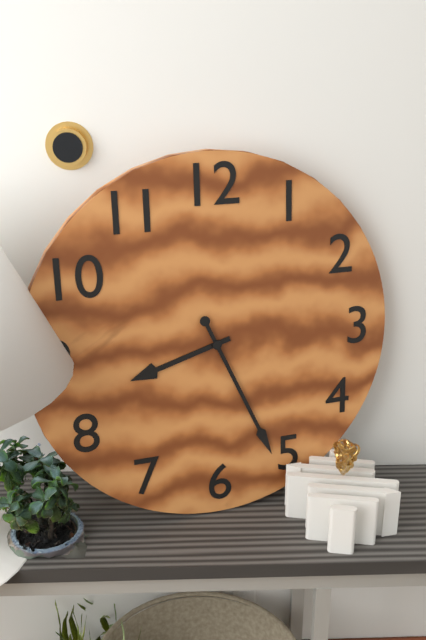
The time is 8h26
